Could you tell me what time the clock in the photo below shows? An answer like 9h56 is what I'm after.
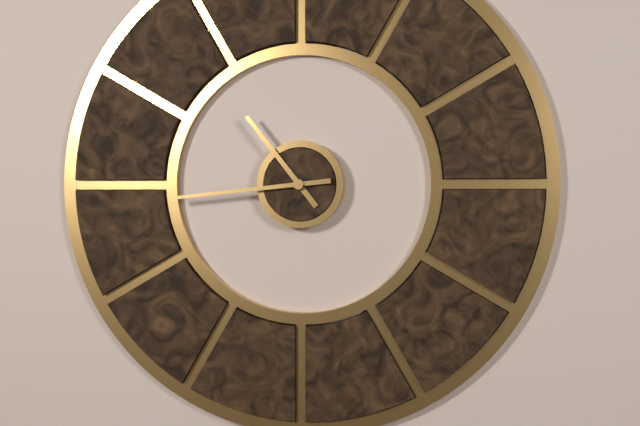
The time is 10h44
